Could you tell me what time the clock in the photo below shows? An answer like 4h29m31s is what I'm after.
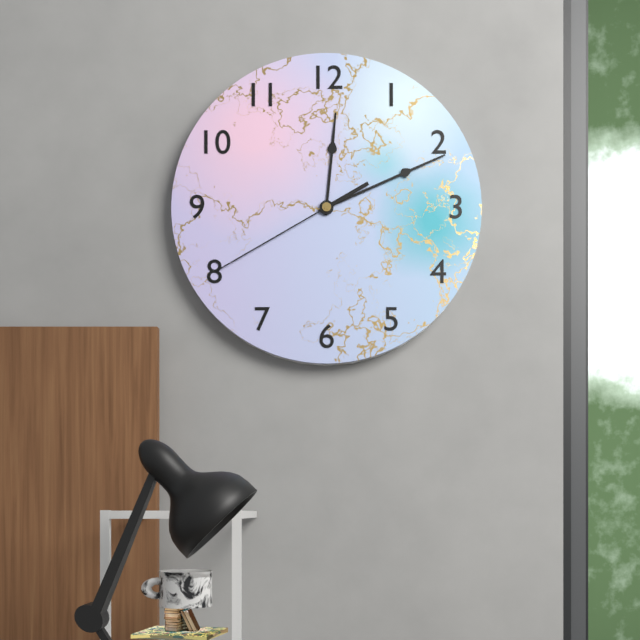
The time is 12h11m40s
